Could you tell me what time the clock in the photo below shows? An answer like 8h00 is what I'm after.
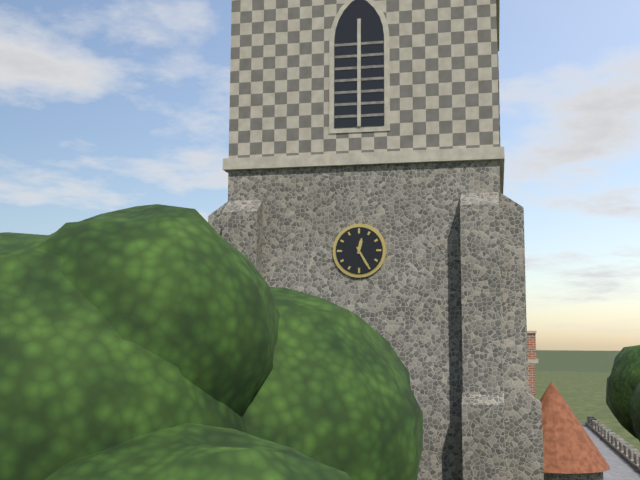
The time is 12h25
